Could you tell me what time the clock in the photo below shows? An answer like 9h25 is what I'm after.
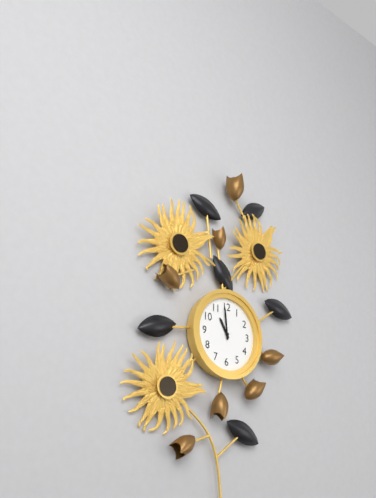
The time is 10h59
